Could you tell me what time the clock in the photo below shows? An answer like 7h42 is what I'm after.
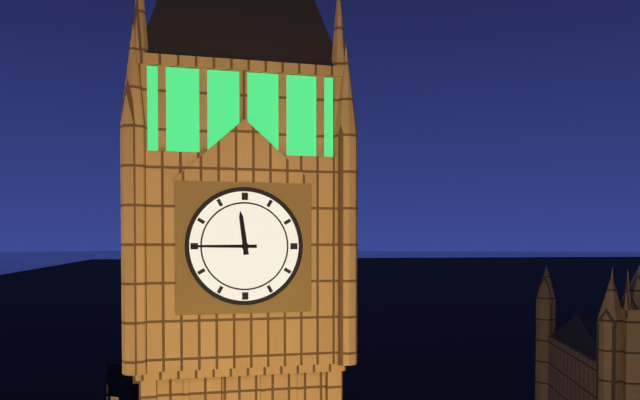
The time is 11h45
